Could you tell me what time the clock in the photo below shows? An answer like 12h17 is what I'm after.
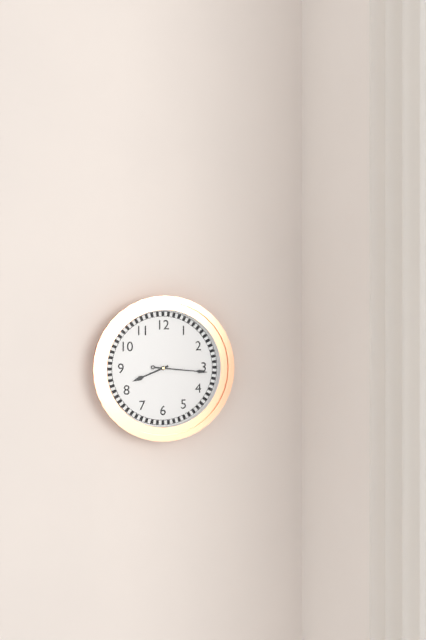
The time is 8h16
